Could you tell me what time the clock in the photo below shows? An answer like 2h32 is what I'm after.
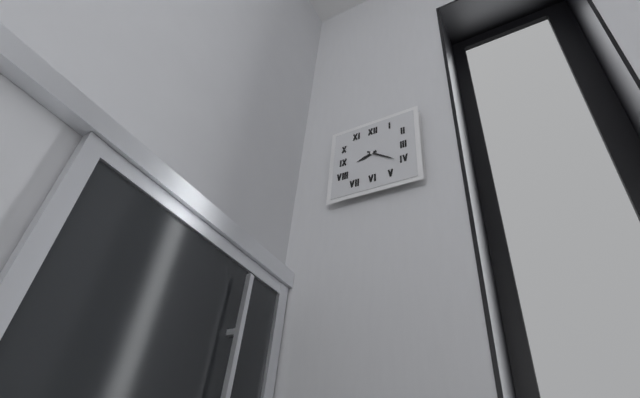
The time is 8h21
